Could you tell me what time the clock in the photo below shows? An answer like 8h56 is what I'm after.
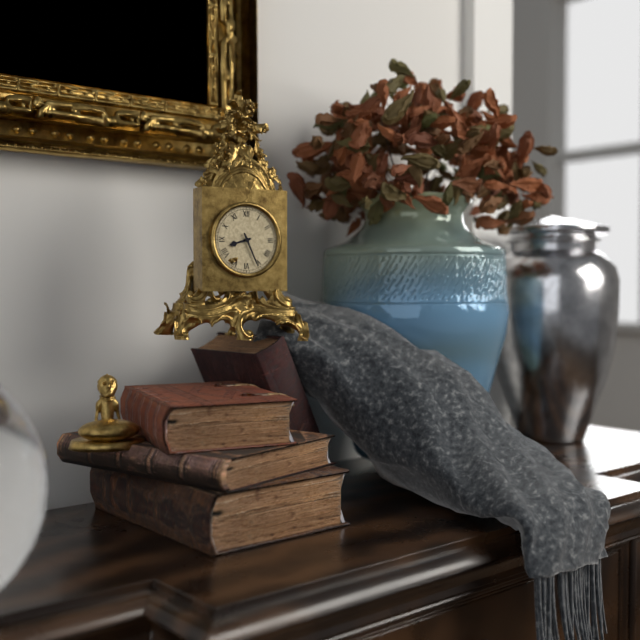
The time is 8h26
